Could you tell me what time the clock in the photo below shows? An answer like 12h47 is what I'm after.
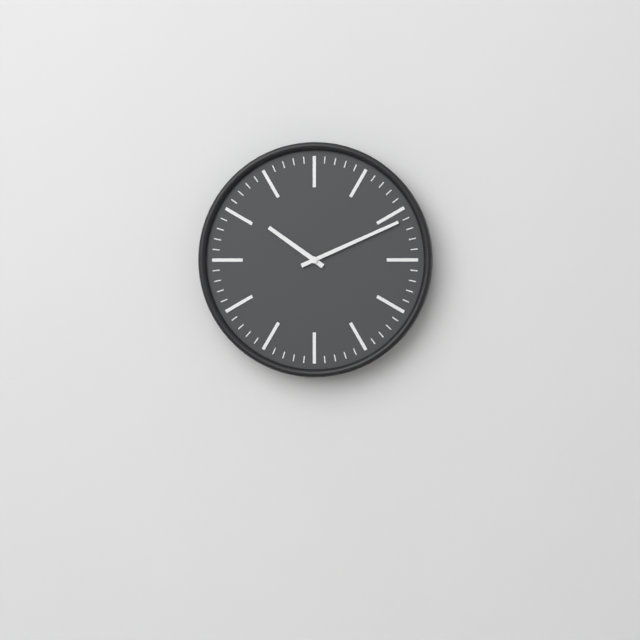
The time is 10h11
